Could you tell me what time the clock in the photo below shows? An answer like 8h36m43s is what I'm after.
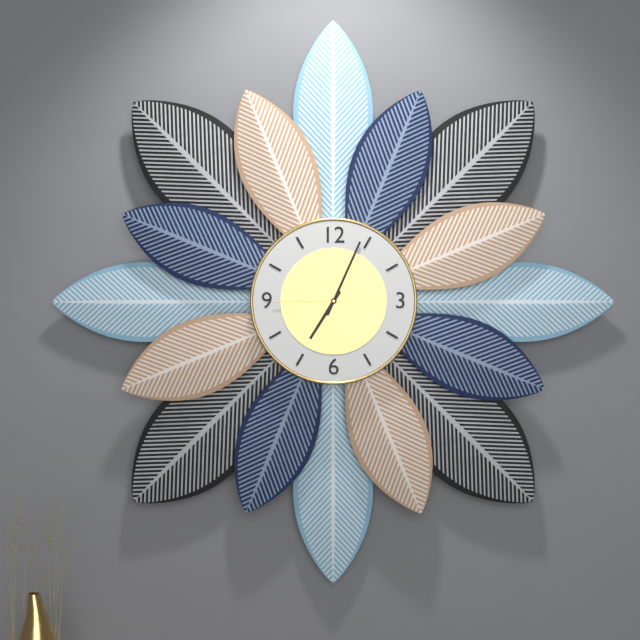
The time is 7h04m45s
